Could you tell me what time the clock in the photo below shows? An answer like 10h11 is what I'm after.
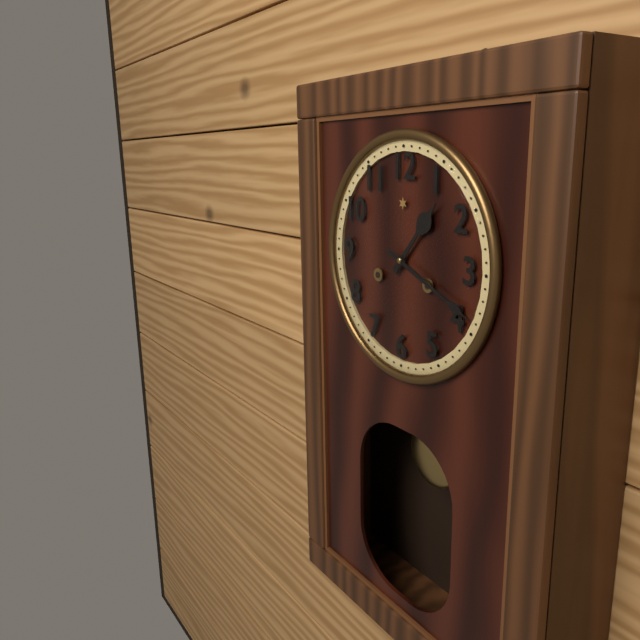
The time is 1h19
